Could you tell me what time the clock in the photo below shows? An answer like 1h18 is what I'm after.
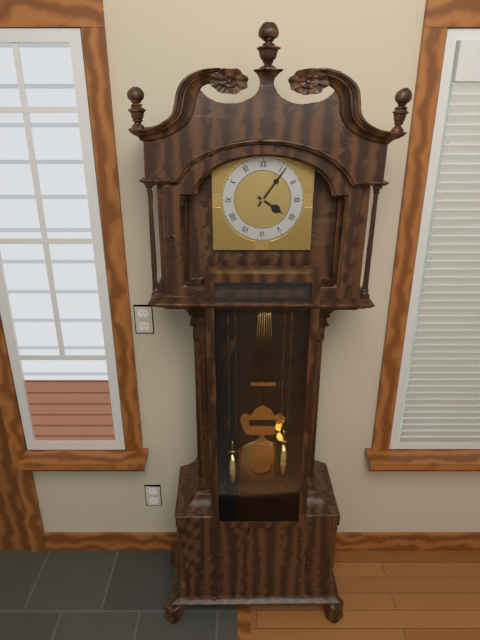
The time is 4h06
